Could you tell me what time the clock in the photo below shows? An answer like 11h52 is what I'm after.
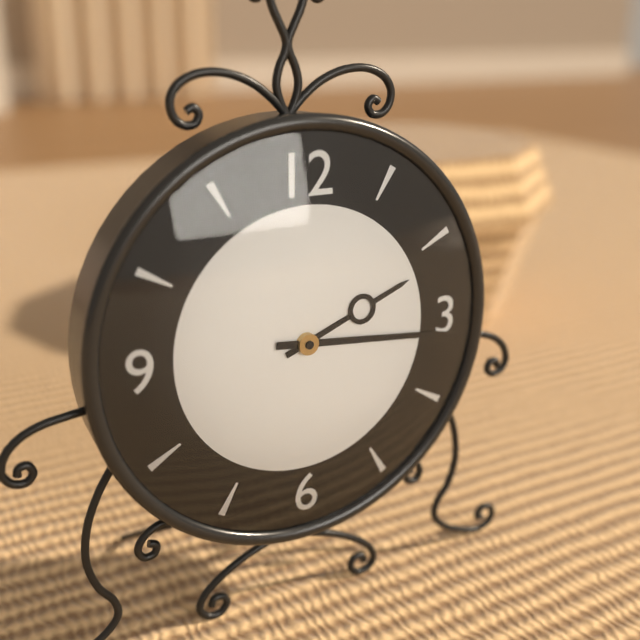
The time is 2h16
